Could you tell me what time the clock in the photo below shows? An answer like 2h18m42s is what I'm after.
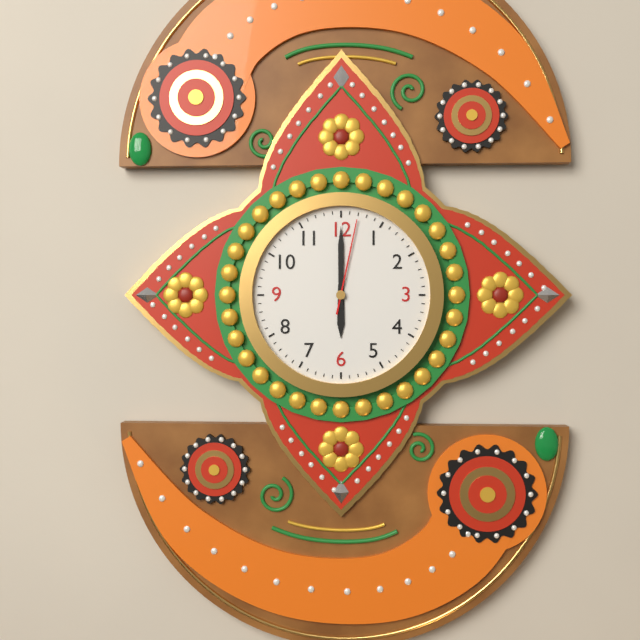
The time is 6h00m02s
